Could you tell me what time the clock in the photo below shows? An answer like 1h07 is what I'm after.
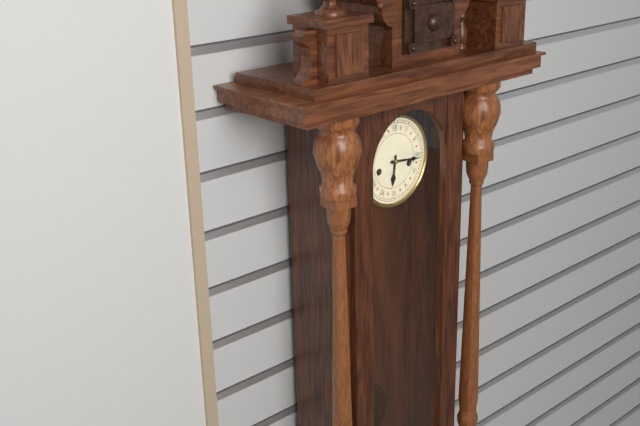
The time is 6h16
